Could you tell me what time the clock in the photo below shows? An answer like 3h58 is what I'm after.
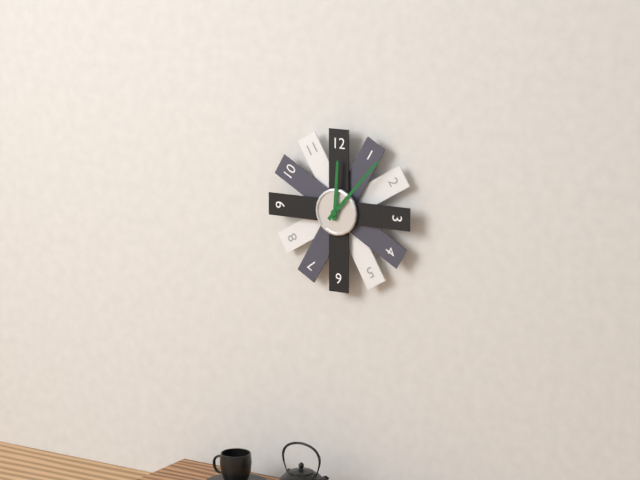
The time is 12h07
